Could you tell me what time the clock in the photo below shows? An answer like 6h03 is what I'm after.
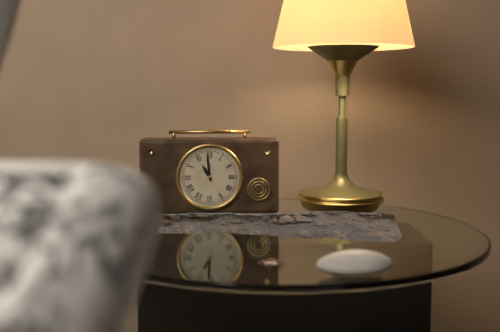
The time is 10h59
